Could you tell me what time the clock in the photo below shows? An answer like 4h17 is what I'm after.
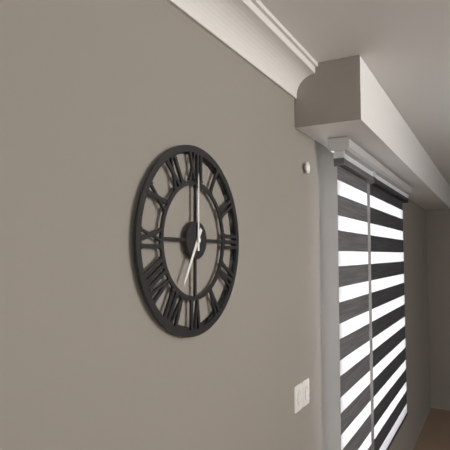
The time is 7h00
